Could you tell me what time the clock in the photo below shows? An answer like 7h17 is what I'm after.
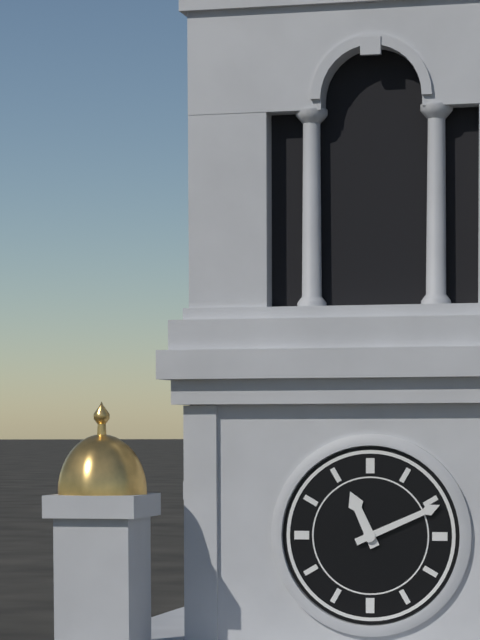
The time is 11h11
